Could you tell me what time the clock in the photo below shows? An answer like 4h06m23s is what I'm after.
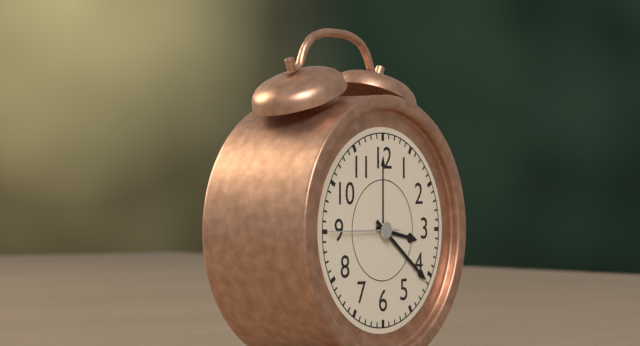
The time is 3h21m45s
